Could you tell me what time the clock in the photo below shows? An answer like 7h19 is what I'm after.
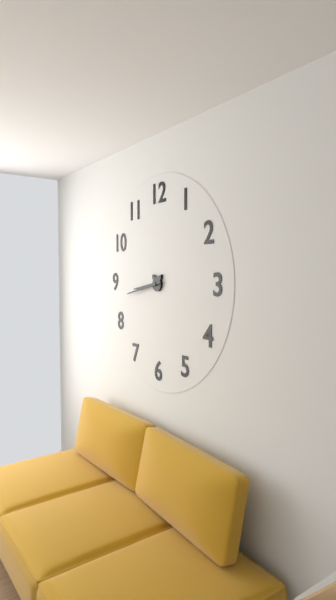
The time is 8h43
